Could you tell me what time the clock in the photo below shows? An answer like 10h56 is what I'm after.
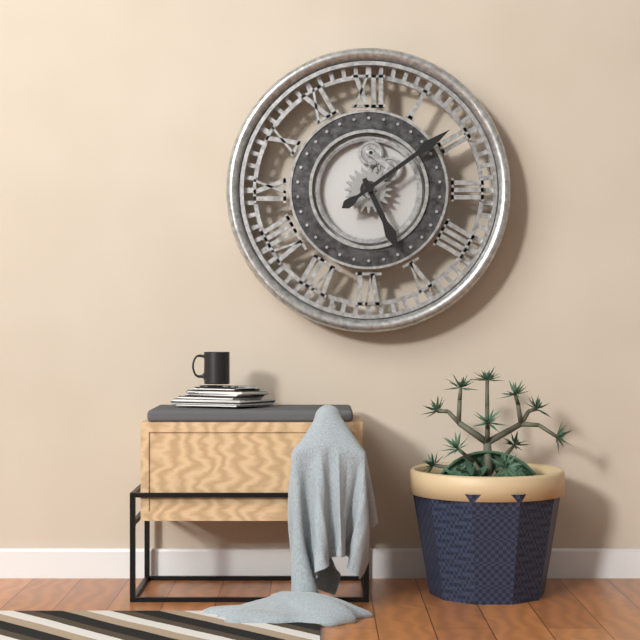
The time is 5h09
